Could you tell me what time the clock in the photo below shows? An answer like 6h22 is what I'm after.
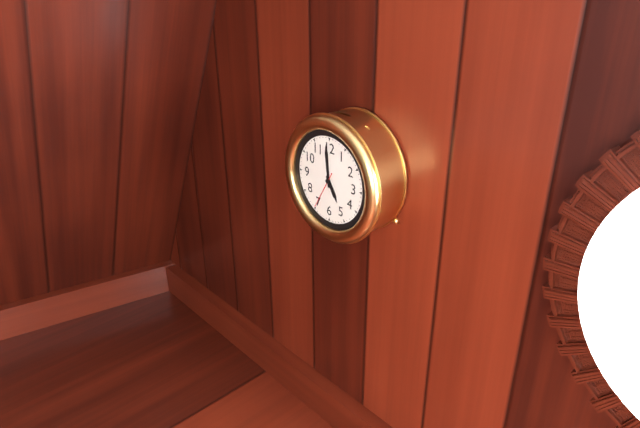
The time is 4h59
